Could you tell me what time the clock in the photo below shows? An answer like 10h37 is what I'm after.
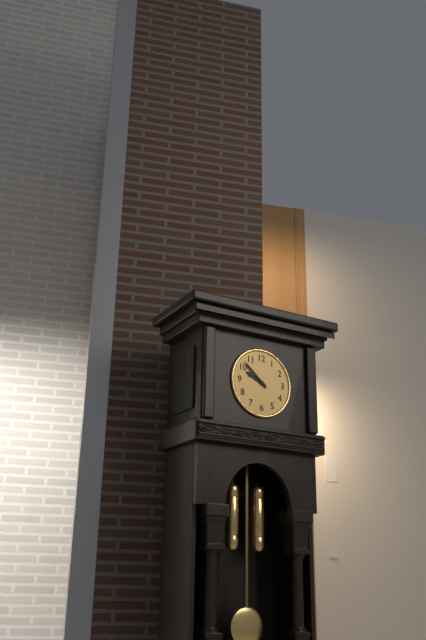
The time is 9h52
